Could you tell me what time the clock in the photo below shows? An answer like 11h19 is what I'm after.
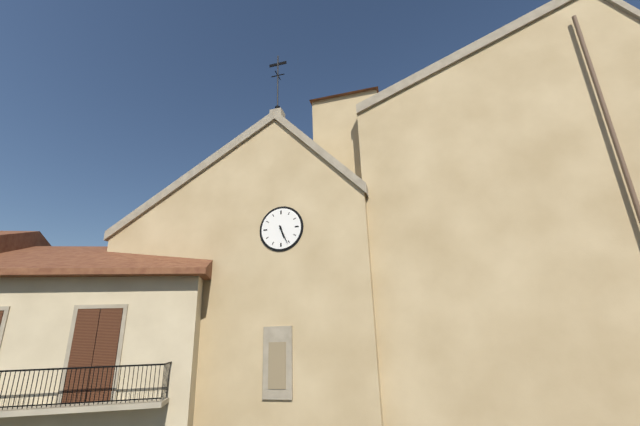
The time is 5h26
